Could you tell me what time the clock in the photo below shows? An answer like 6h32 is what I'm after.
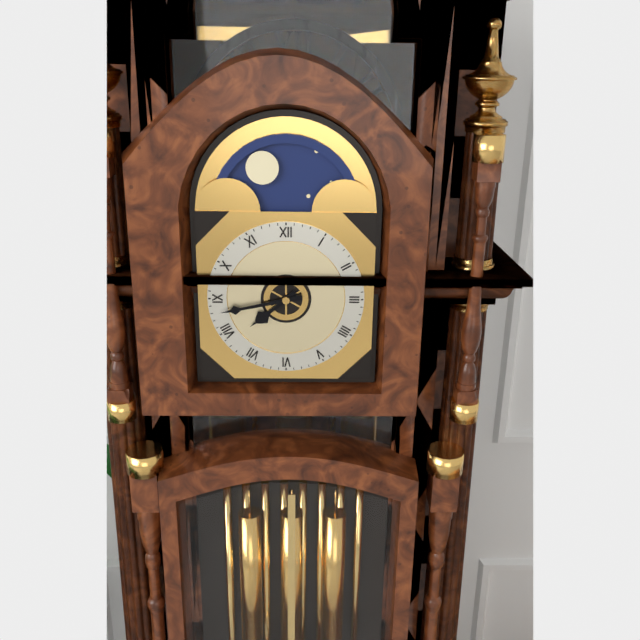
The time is 7h43
